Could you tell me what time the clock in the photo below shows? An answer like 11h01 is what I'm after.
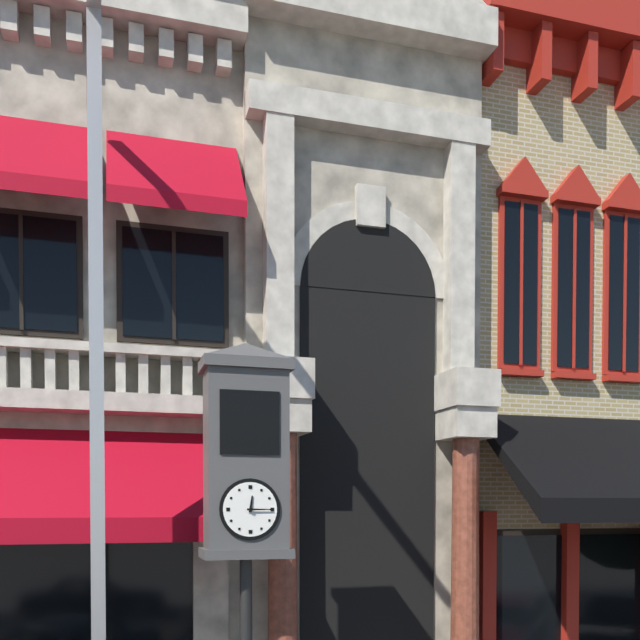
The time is 12h15
